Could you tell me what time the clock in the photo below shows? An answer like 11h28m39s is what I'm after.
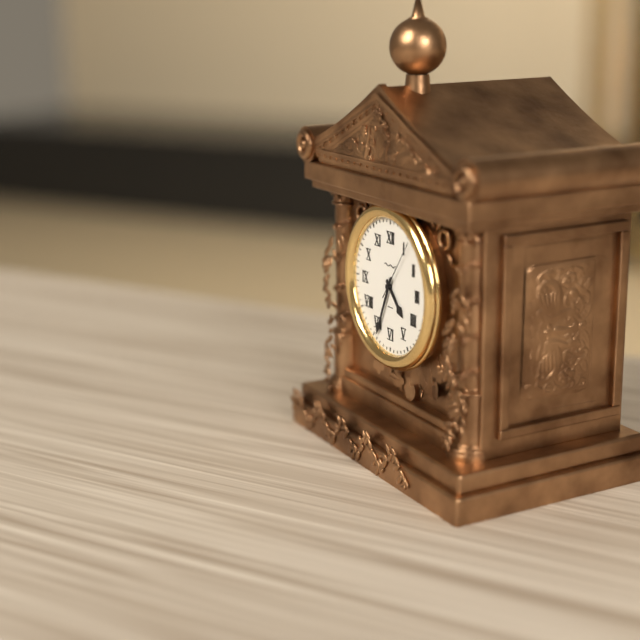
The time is 4h34m06s
